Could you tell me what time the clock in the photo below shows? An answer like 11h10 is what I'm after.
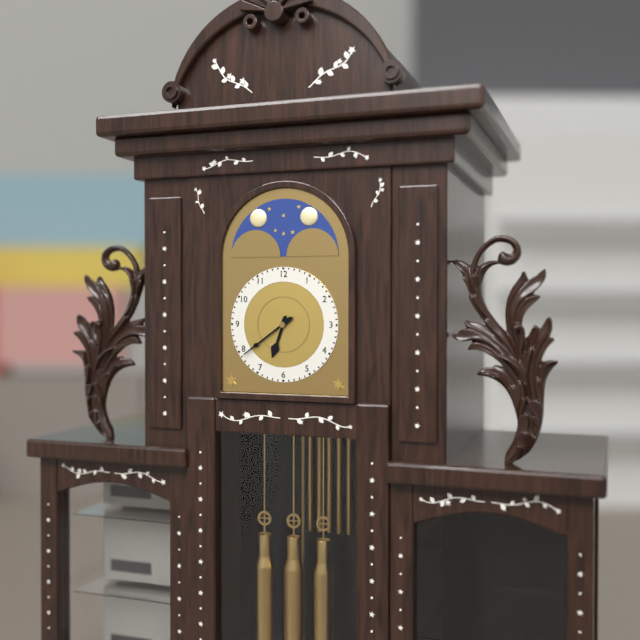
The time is 6h39
